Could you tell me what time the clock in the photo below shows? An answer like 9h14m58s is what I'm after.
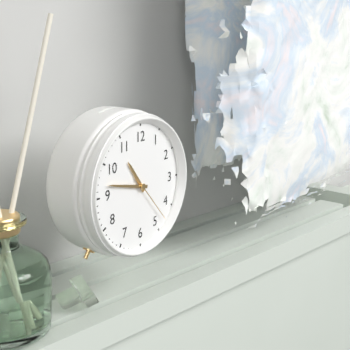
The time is 10h47m23s
